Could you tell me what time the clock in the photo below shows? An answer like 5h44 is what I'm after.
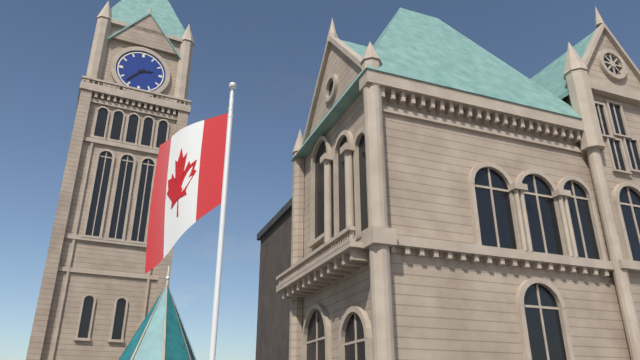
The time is 2h37
